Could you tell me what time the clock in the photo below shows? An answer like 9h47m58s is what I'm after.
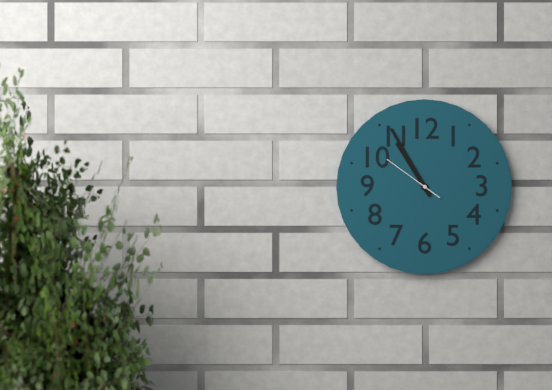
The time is 10h55m51s
